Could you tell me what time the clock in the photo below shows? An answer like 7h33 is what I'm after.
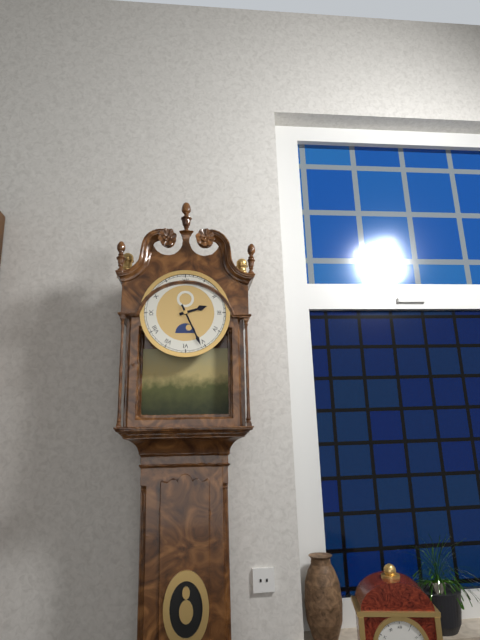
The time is 2h26
